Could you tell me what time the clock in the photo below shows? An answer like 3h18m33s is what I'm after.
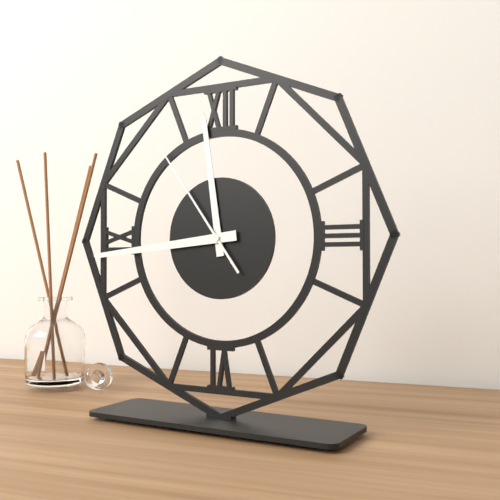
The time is 11h44m54s
